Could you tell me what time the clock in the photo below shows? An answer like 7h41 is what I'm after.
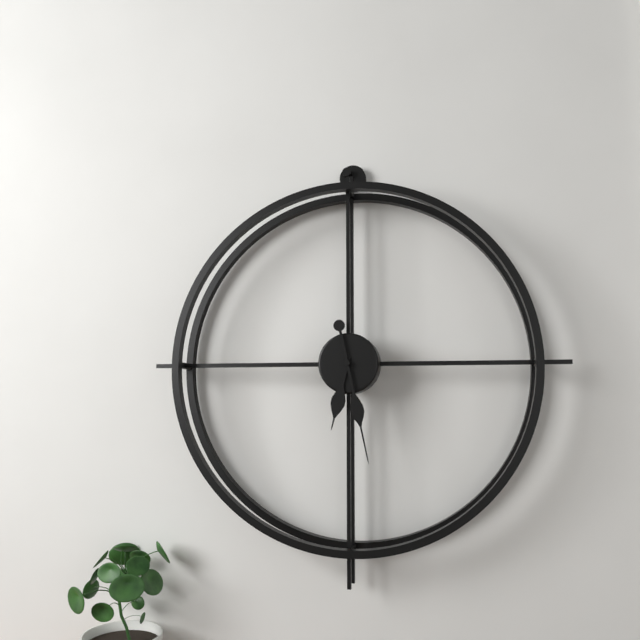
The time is 6h28
